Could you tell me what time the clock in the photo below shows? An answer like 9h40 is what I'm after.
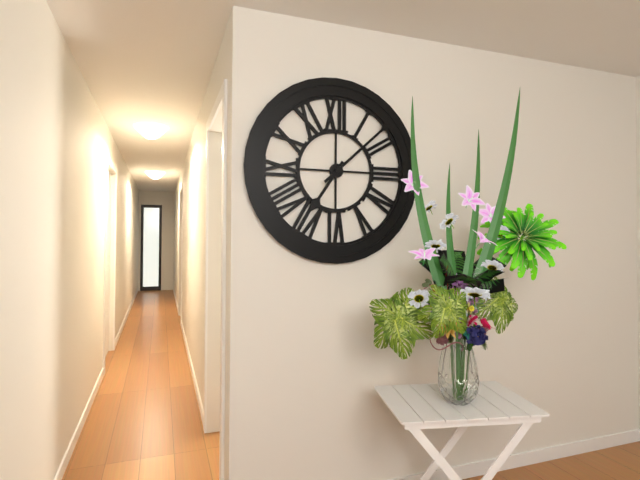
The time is 7h08
